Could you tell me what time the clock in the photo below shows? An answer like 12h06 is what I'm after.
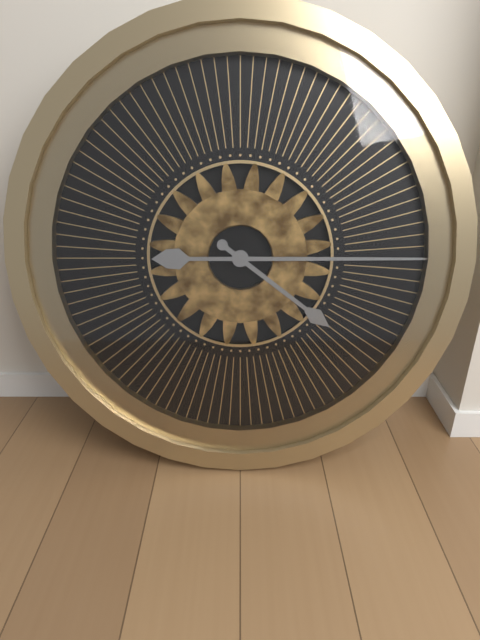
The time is 4h15
